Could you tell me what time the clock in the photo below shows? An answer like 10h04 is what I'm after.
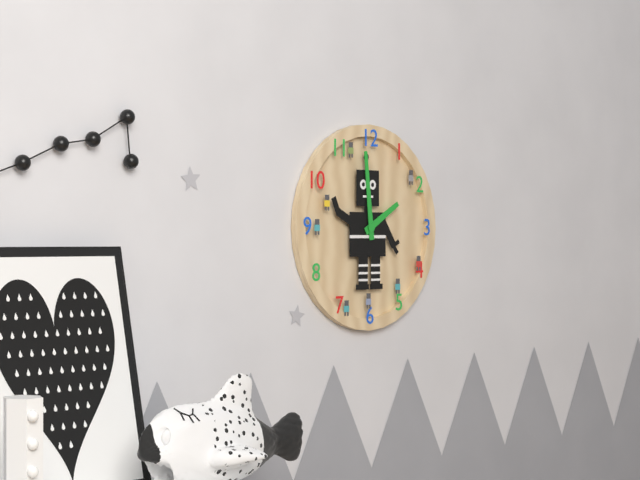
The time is 1h59
